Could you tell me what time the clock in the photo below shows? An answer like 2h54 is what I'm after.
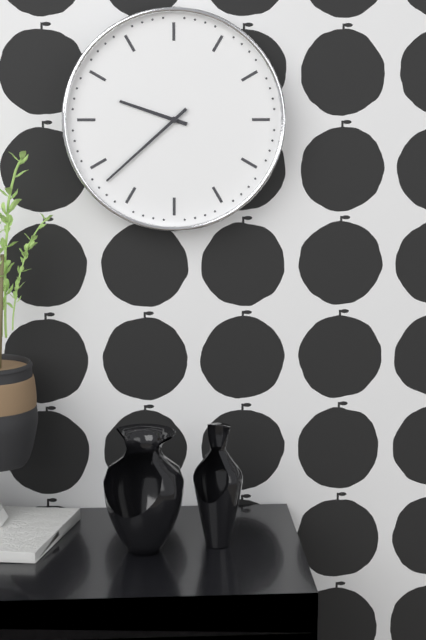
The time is 9h38
